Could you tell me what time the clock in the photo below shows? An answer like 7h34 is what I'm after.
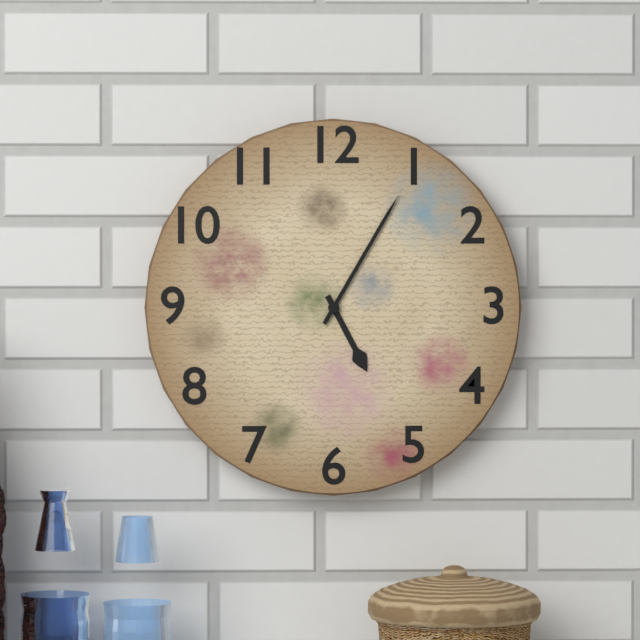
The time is 5h05
